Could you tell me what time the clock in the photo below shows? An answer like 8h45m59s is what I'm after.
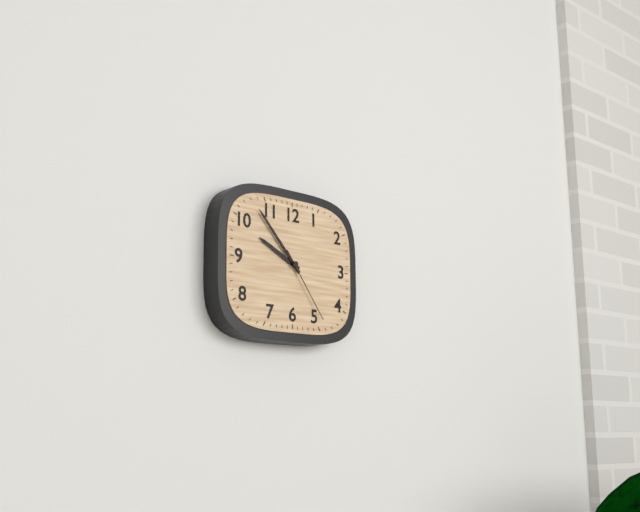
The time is 9h53m24s
